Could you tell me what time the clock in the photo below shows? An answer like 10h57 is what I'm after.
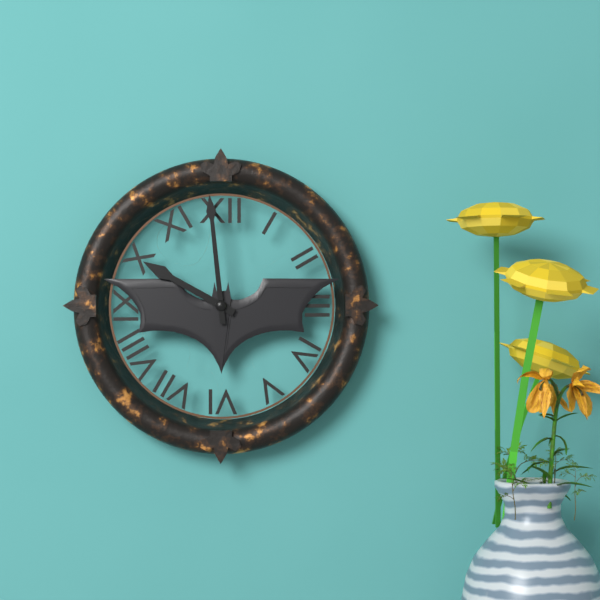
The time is 9h59
